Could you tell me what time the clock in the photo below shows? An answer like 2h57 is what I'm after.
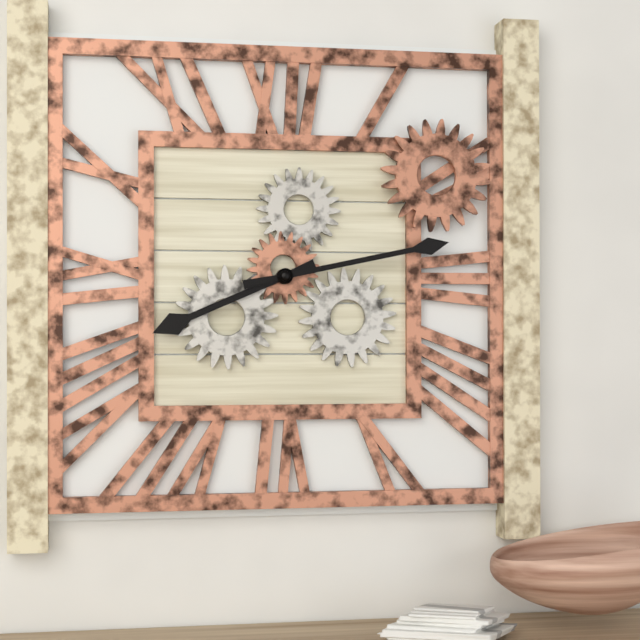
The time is 8h13
